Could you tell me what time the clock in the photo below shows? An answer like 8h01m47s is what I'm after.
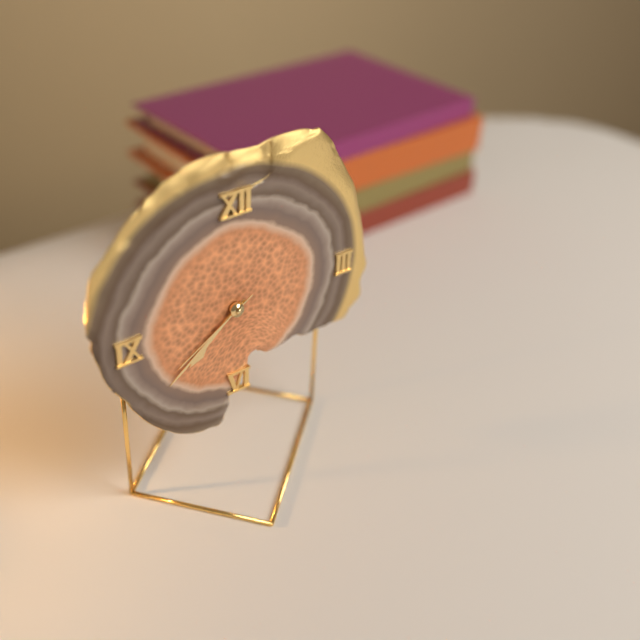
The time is 7h39m40s
